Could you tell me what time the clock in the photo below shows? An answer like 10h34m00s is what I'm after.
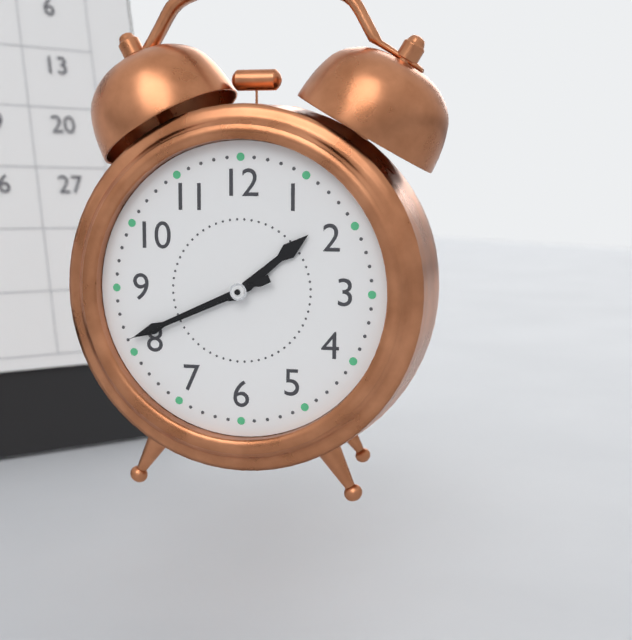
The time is 1h41m41s
